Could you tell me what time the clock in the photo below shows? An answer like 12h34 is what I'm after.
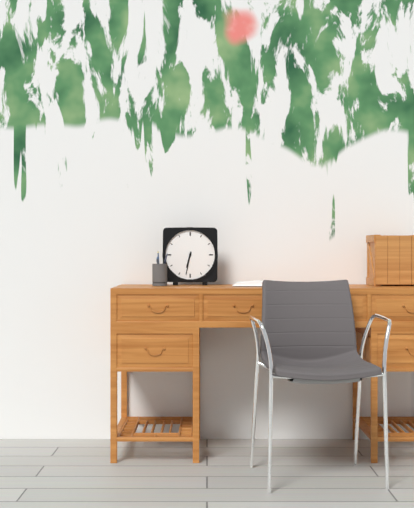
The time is 6h32
